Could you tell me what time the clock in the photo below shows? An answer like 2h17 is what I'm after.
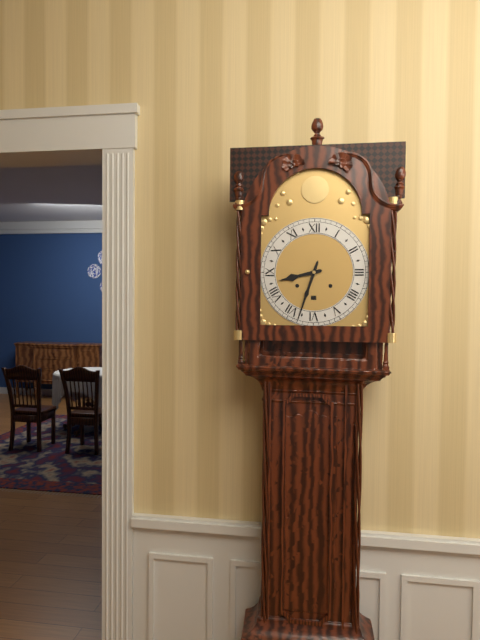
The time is 8h33
